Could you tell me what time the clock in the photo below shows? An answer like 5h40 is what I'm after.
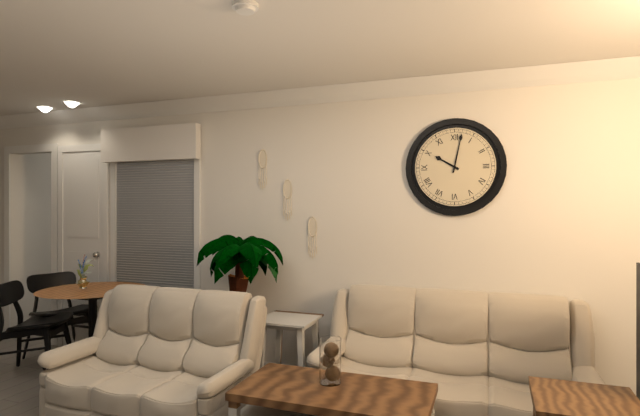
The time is 10h02
